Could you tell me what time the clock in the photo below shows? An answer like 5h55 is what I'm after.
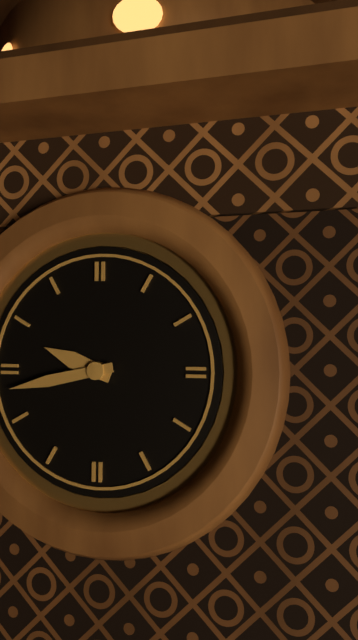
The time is 9h43
